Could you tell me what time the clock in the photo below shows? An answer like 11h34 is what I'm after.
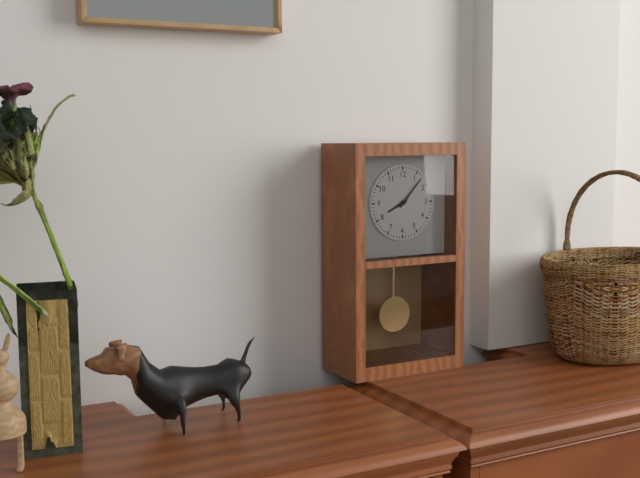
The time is 8h07
